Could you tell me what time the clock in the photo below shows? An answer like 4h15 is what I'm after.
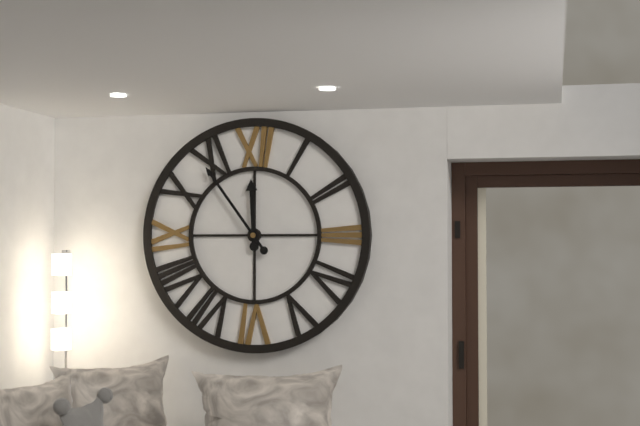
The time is 11h54
